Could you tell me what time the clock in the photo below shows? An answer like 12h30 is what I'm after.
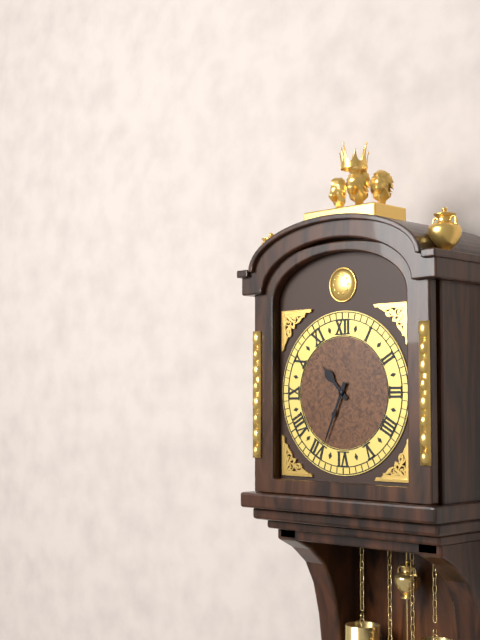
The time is 10h34
